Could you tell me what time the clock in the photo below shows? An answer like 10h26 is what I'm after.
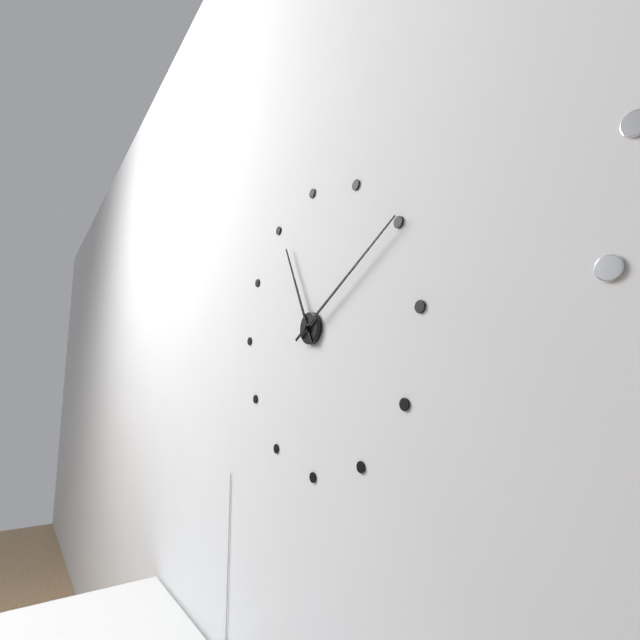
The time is 11h10
